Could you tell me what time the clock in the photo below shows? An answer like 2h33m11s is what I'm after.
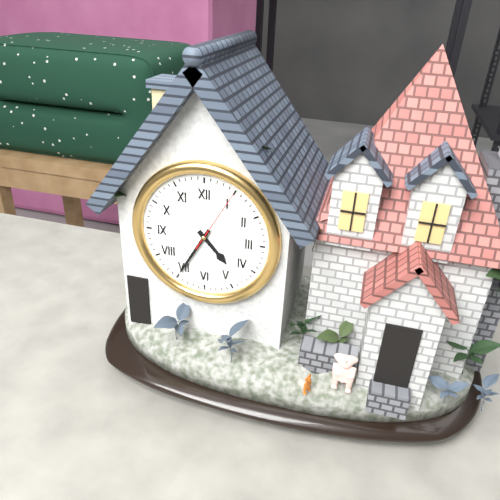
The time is 4h35m05s
